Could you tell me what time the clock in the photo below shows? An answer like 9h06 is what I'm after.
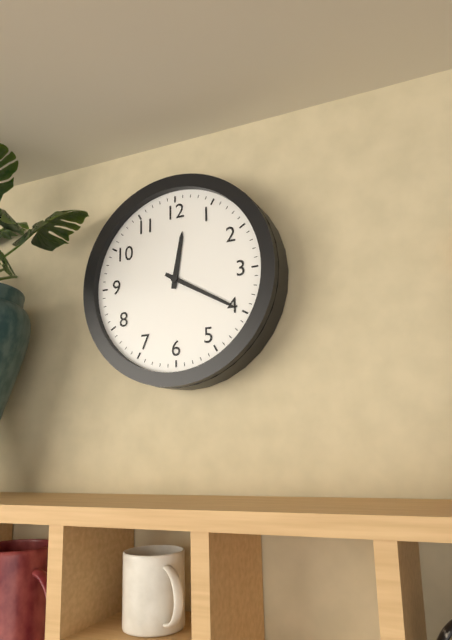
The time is 12h20
